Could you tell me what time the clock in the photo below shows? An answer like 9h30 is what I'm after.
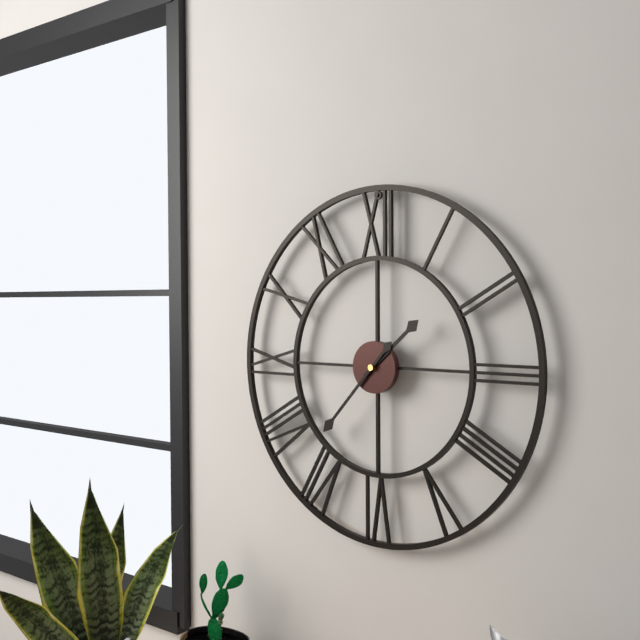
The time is 1h37
